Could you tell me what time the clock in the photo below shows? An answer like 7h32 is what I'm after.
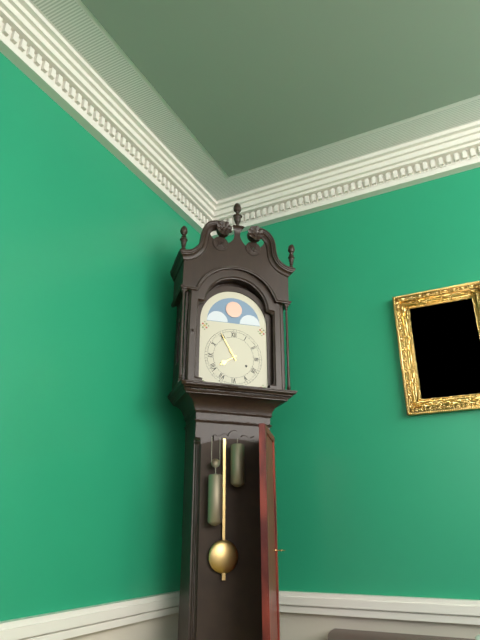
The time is 7h55
